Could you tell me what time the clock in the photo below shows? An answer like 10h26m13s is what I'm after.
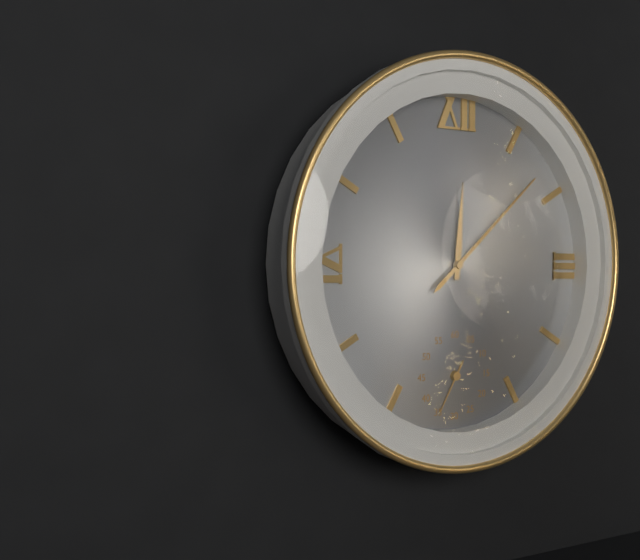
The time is 12h08m35s
